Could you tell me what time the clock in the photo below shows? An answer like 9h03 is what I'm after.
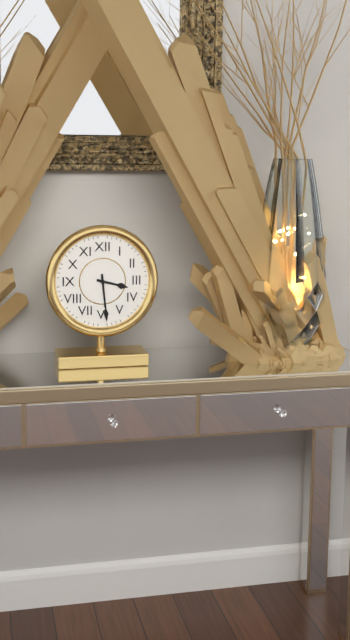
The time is 3h29
